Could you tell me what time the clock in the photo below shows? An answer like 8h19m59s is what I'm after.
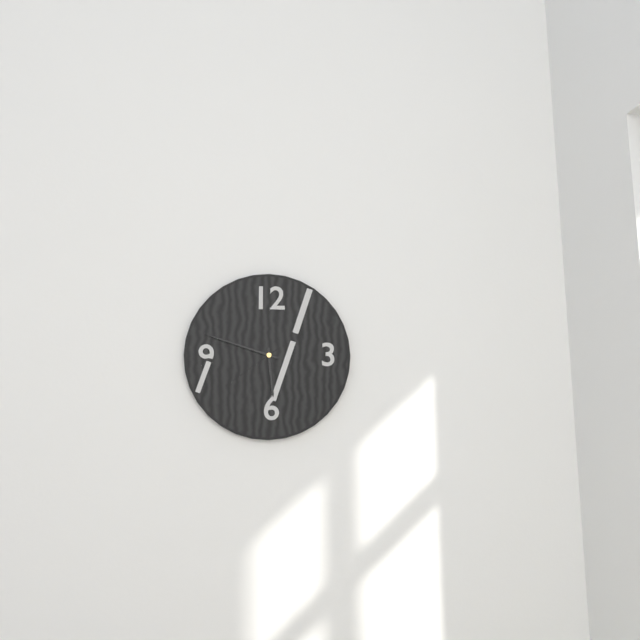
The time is 5h48m39s
